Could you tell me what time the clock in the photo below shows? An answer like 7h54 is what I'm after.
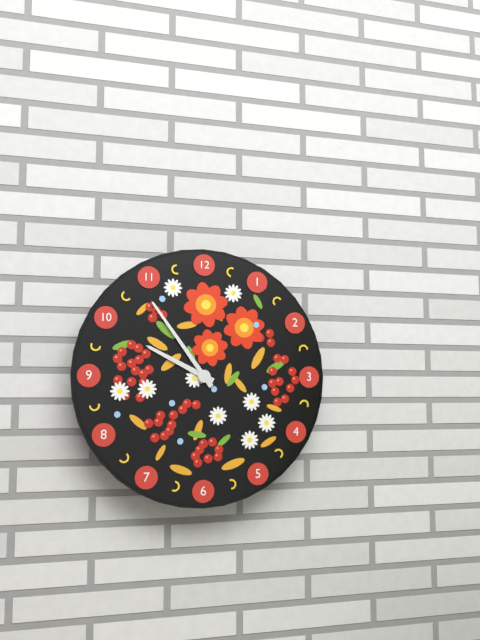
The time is 9h54
